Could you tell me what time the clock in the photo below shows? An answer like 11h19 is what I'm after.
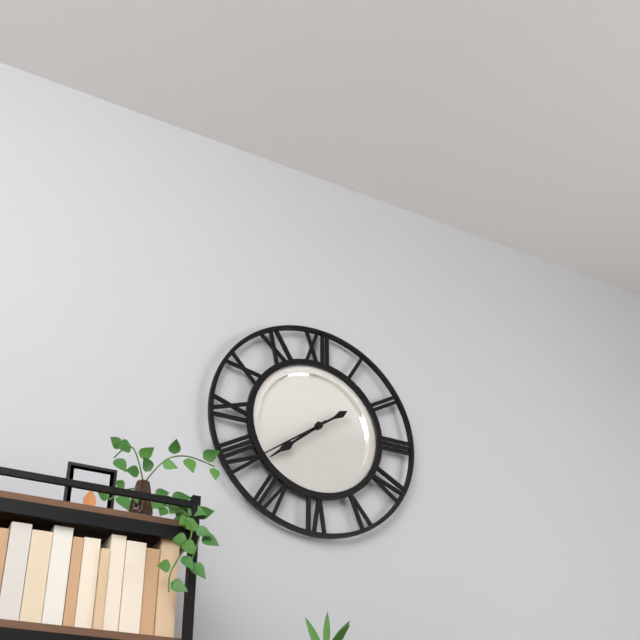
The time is 7h39
